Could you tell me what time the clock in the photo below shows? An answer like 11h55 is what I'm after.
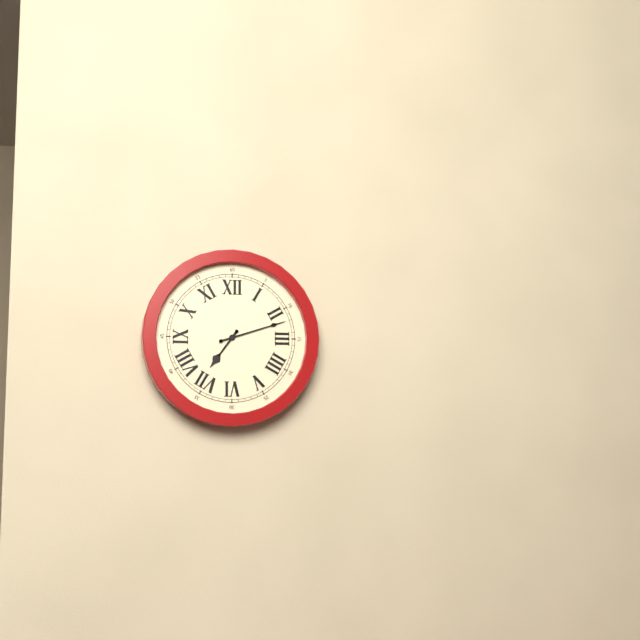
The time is 7h12
